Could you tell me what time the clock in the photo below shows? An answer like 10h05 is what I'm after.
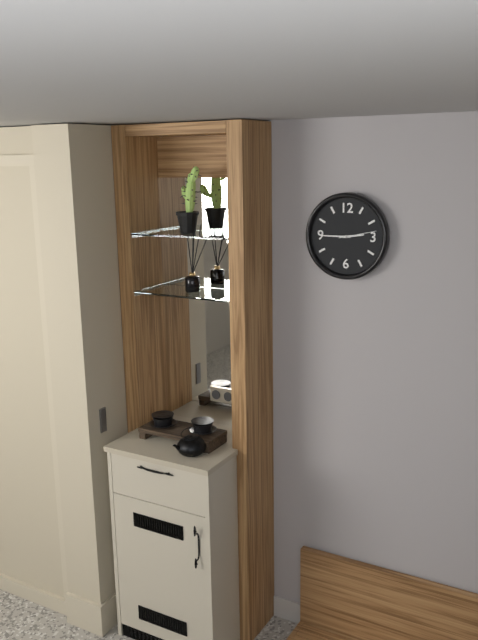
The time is 2h45
